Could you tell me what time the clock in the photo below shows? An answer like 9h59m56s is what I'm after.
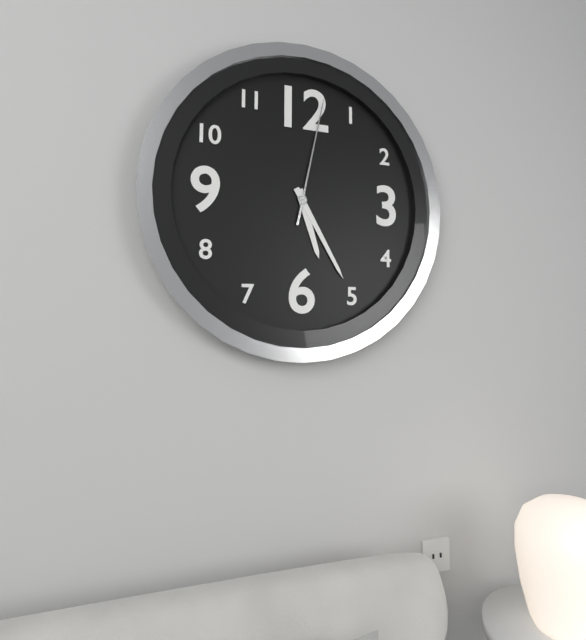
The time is 5h25m02s
